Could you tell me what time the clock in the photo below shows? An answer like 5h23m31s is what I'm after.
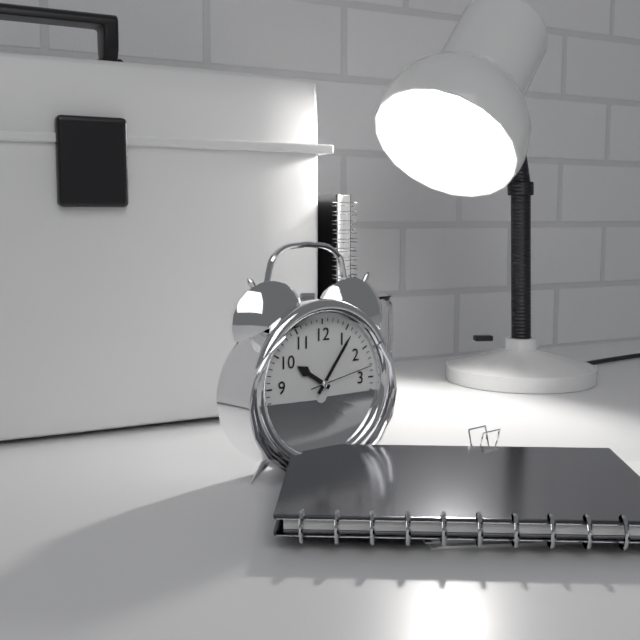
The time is 10h06m13s
